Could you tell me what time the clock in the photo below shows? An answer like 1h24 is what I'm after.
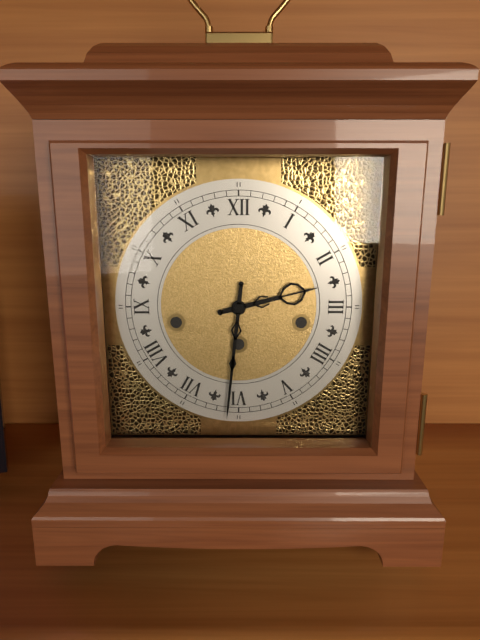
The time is 2h31
